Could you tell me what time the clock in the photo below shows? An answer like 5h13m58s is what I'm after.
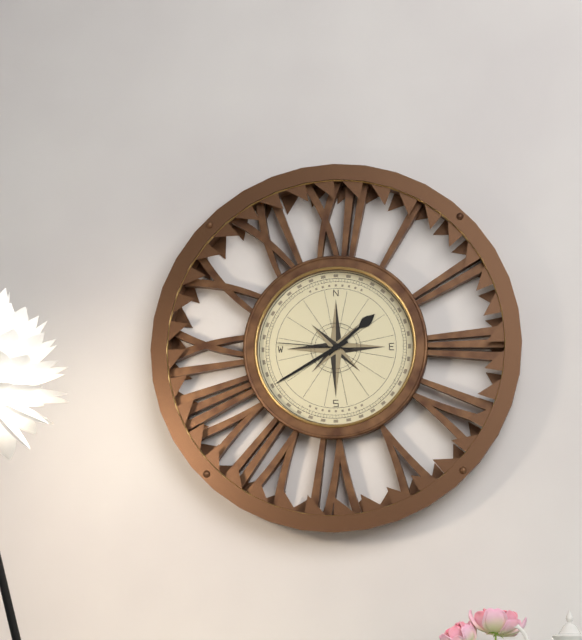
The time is 1h40m46s
